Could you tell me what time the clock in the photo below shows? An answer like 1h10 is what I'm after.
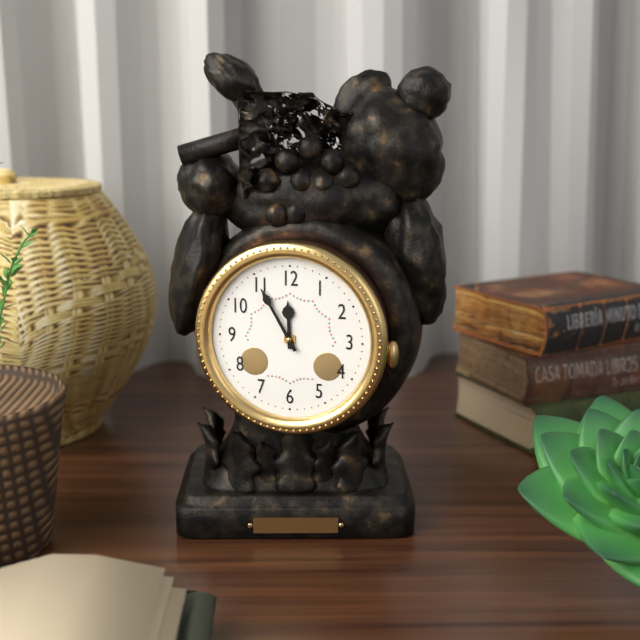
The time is 11h55
